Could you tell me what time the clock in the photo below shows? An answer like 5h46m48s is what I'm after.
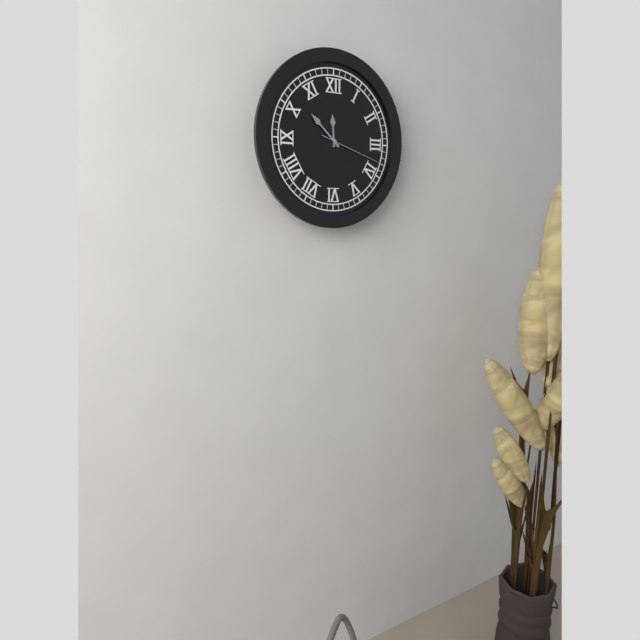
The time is 11h52m18s
